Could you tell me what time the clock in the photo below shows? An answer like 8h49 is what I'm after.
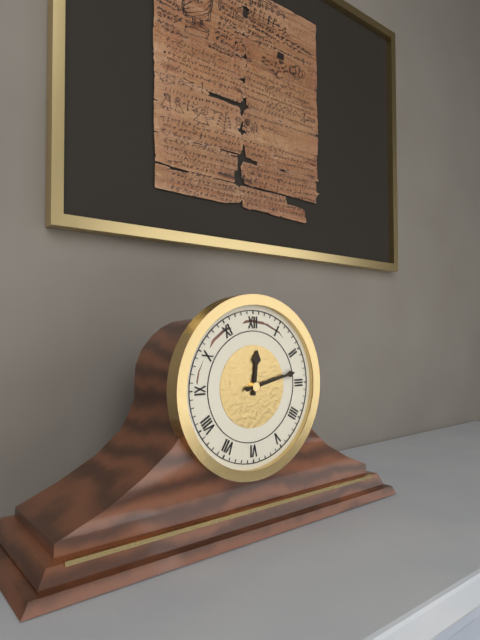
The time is 12h13
